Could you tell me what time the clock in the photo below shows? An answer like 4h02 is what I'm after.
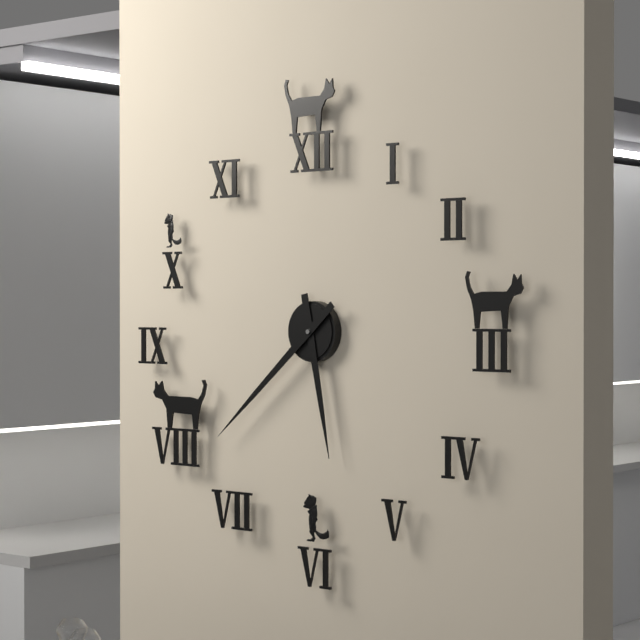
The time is 5h38
